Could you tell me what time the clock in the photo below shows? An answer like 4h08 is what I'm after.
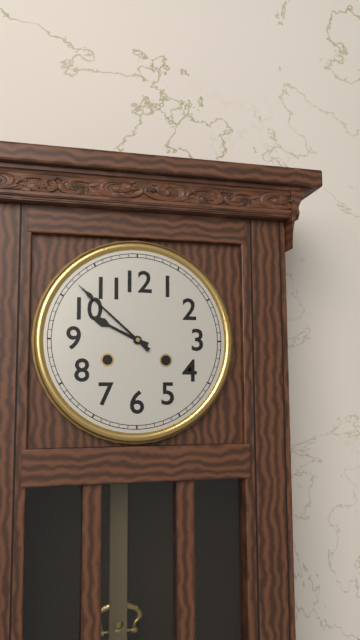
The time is 9h52
